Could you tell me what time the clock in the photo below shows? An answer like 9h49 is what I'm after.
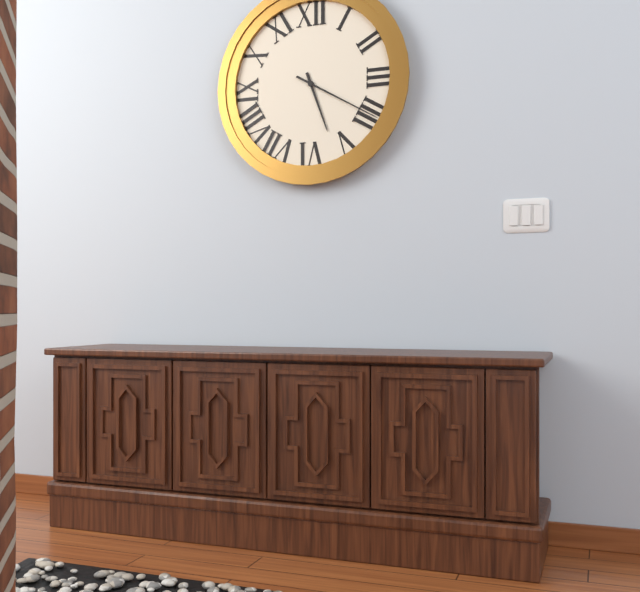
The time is 5h20
